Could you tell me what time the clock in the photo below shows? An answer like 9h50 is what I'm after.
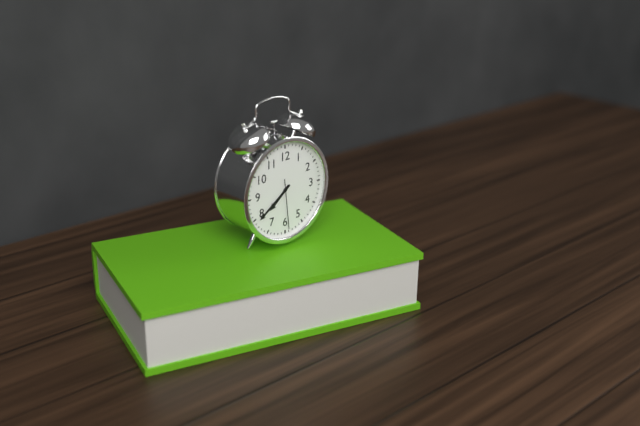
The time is 7h39
